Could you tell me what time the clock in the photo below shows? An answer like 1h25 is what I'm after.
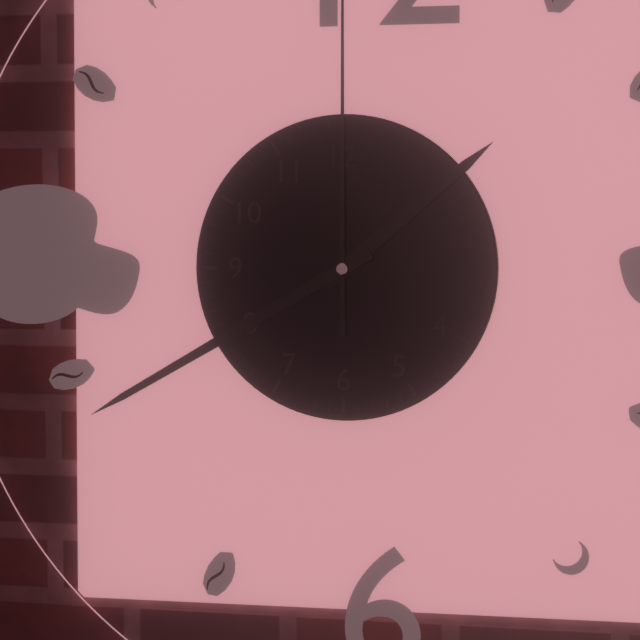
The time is 1h40
